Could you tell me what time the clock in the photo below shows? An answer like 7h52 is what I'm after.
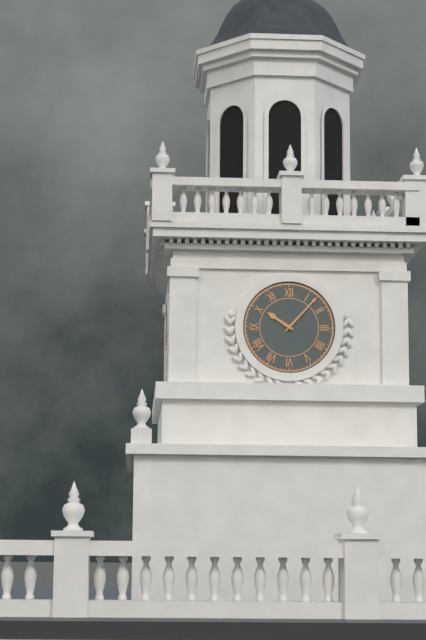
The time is 10h07
